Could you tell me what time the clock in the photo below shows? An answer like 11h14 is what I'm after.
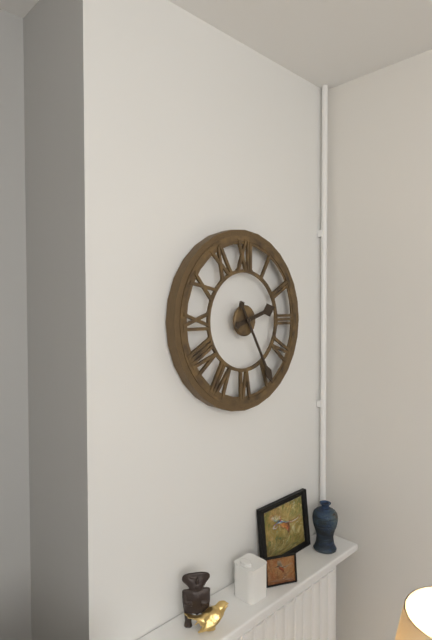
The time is 2h25
